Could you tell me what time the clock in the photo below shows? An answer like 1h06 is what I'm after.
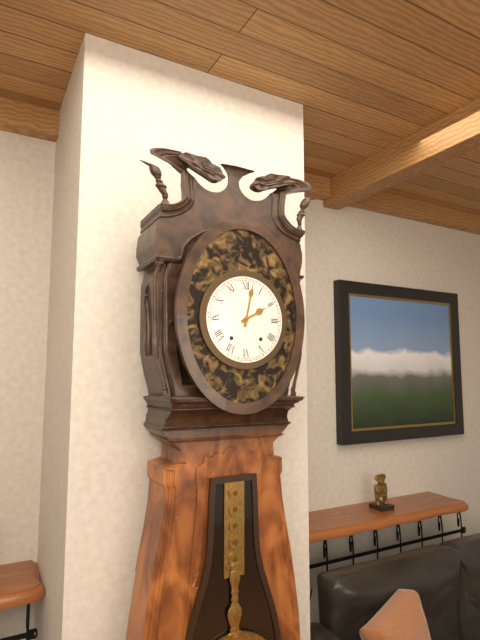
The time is 2h02
